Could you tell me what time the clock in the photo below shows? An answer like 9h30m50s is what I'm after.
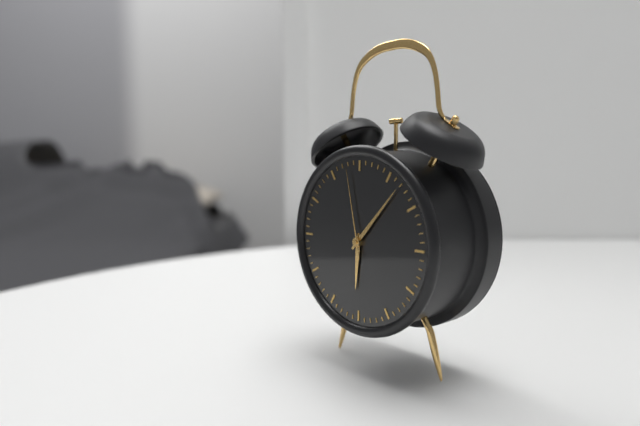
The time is 6h07m58s
